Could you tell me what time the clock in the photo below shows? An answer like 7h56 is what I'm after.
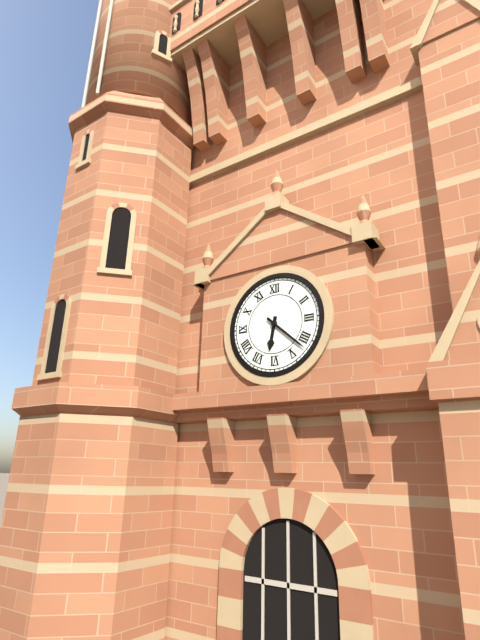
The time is 6h22
